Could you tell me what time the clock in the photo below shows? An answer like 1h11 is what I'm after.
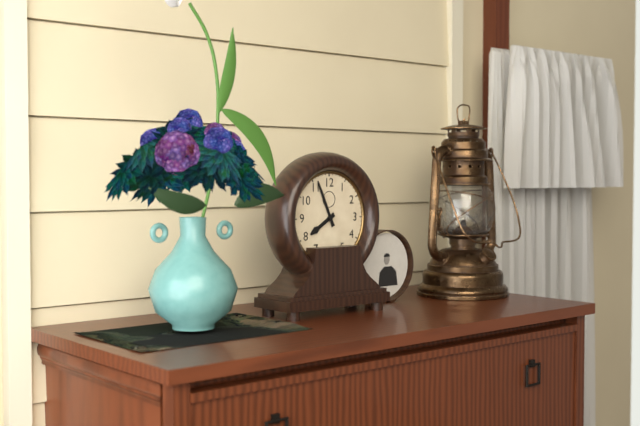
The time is 7h56
